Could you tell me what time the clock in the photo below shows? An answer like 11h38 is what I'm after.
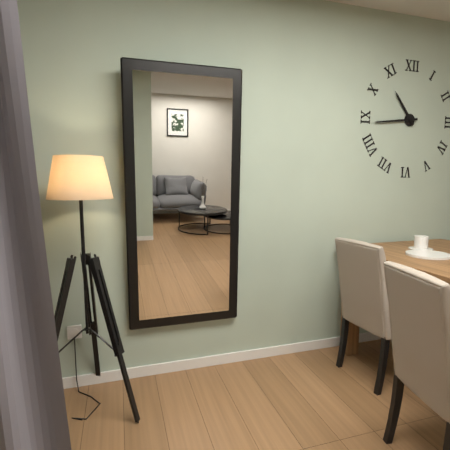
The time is 10h44
